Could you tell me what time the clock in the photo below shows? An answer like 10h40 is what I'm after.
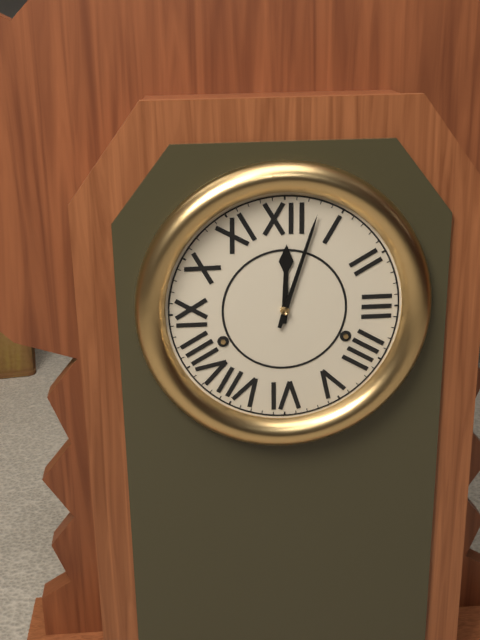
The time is 12h03
